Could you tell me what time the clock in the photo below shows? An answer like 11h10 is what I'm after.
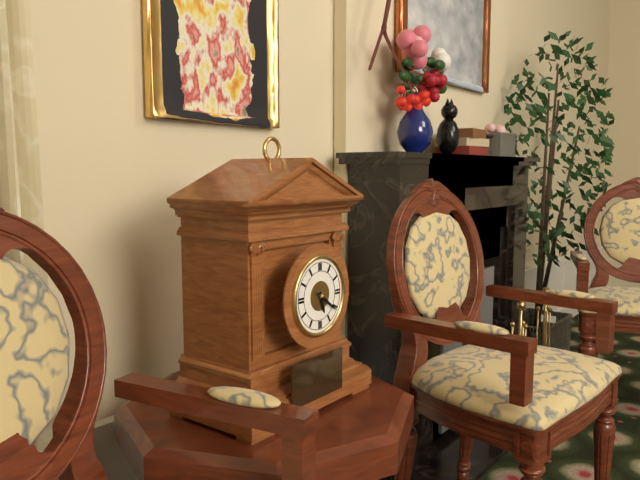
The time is 5h21
